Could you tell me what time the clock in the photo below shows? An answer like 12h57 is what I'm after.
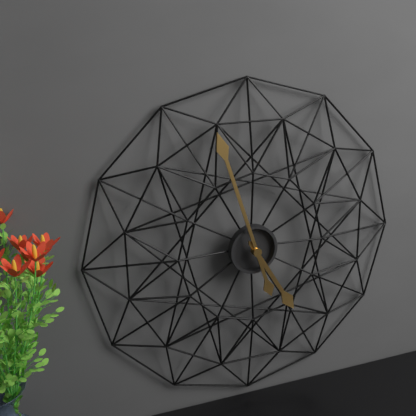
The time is 4h57
